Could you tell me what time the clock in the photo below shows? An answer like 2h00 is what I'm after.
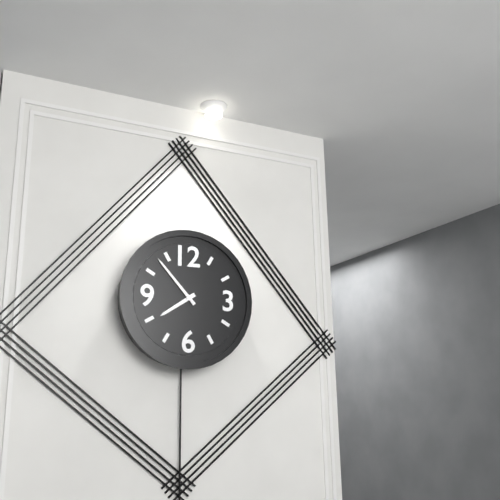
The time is 7h53
